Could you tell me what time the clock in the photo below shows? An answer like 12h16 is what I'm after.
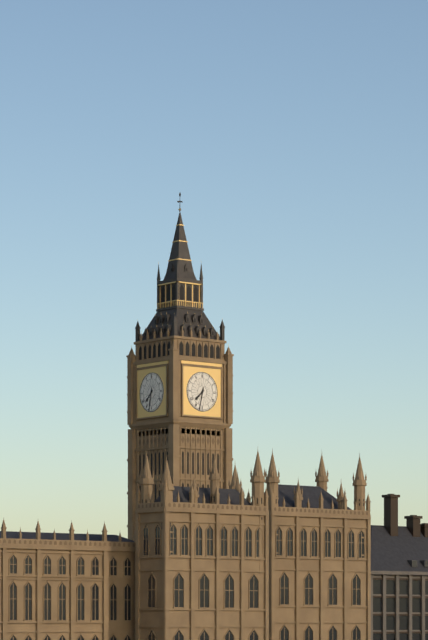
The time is 7h32
